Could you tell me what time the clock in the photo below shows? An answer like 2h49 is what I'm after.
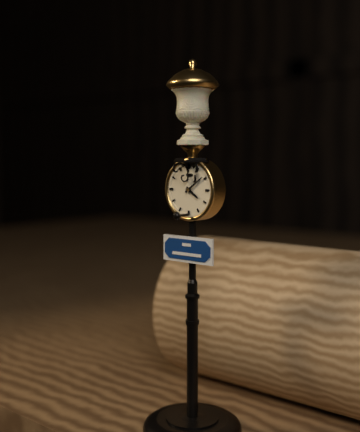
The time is 4h09
